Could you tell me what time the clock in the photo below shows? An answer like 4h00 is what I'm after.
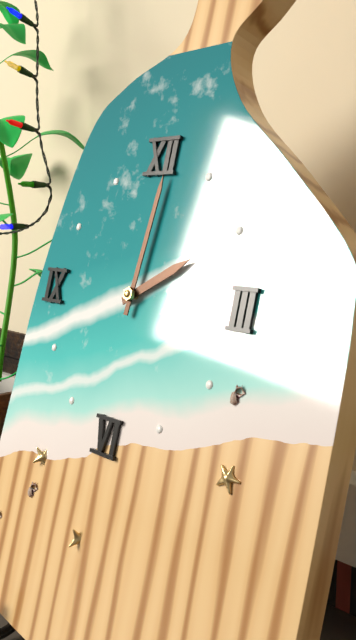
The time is 2h01
